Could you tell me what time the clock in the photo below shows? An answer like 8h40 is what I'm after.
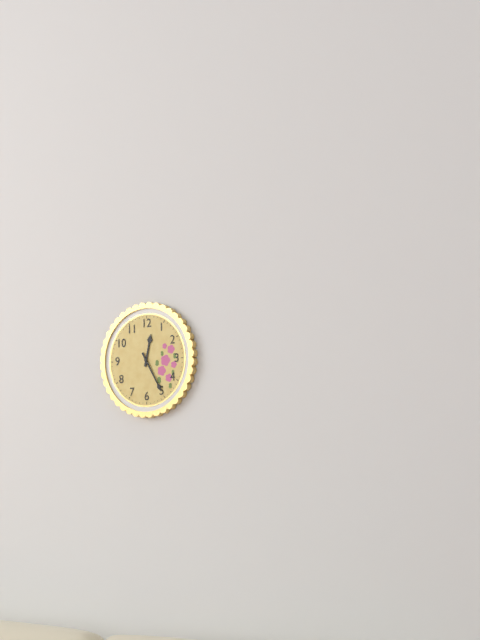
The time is 12h25
